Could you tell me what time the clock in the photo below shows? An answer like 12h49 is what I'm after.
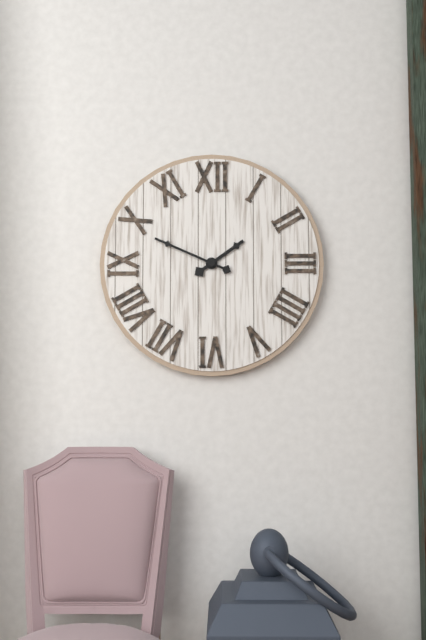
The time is 1h49
